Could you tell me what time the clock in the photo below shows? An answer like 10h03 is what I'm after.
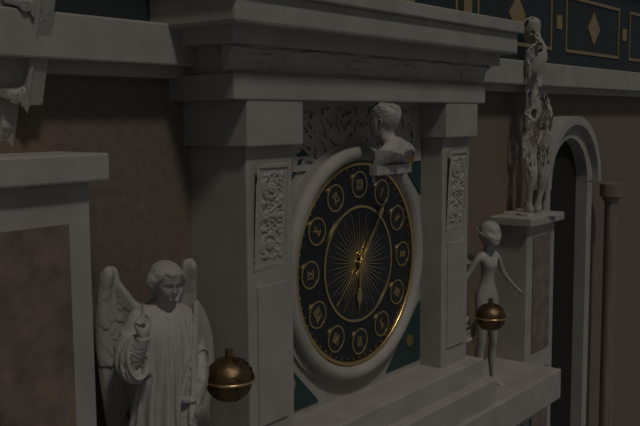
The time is 6h06
